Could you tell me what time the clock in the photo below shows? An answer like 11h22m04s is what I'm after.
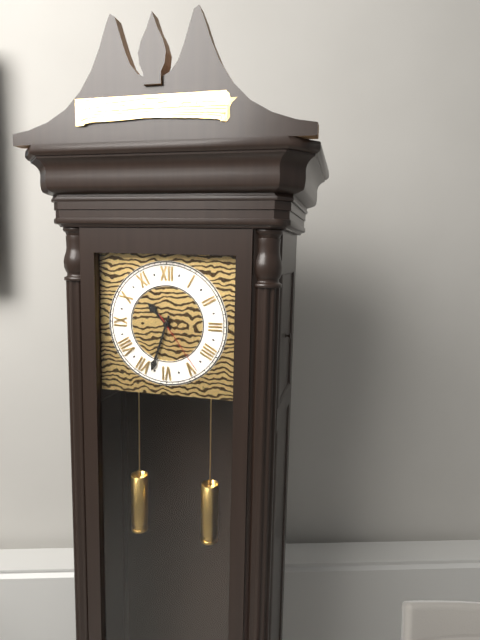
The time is 10h33m24s
